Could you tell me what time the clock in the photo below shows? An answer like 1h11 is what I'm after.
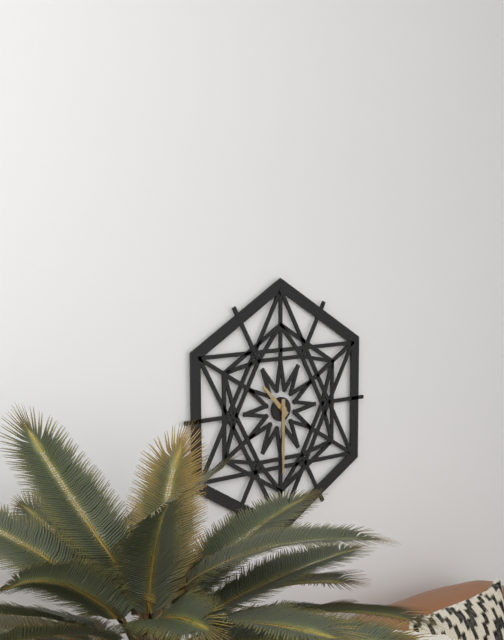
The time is 10h30
